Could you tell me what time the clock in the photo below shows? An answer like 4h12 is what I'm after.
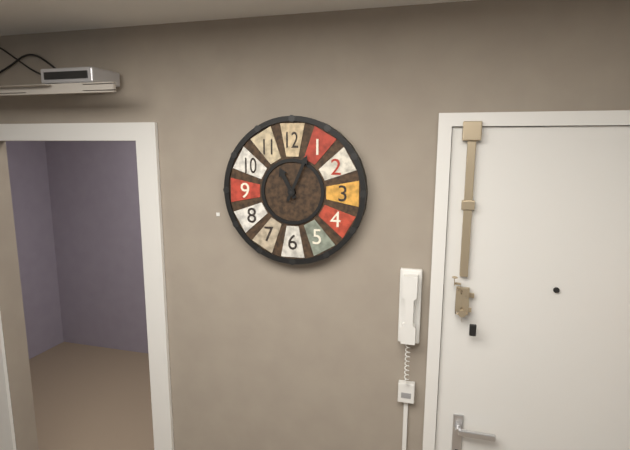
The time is 11h04
